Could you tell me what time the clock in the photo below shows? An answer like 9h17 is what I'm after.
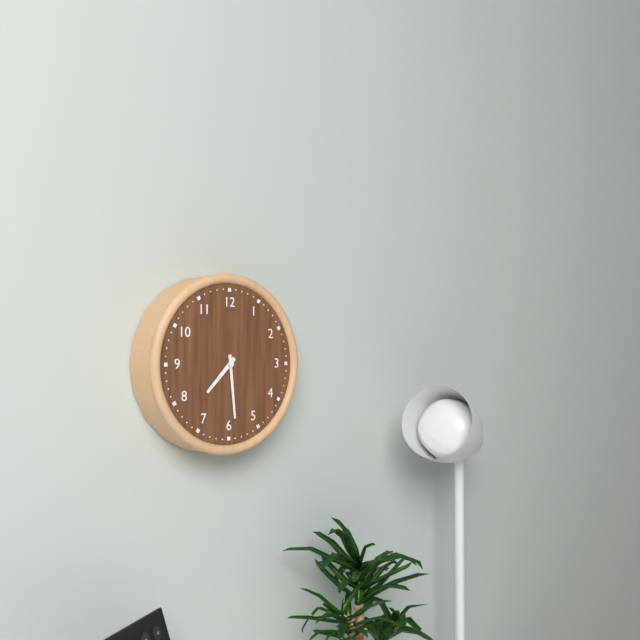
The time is 7h29
